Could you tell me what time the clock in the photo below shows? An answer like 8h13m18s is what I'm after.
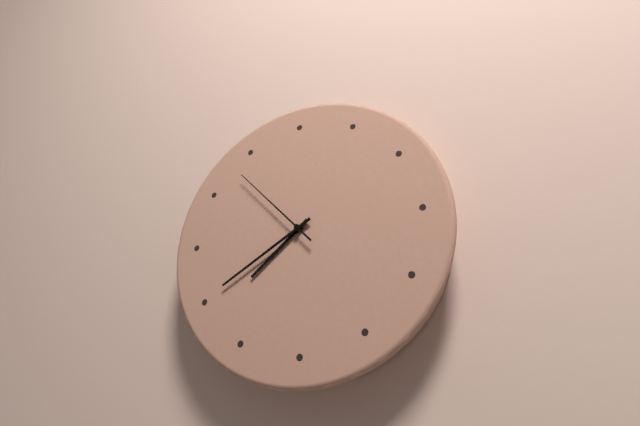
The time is 7h40m53s
